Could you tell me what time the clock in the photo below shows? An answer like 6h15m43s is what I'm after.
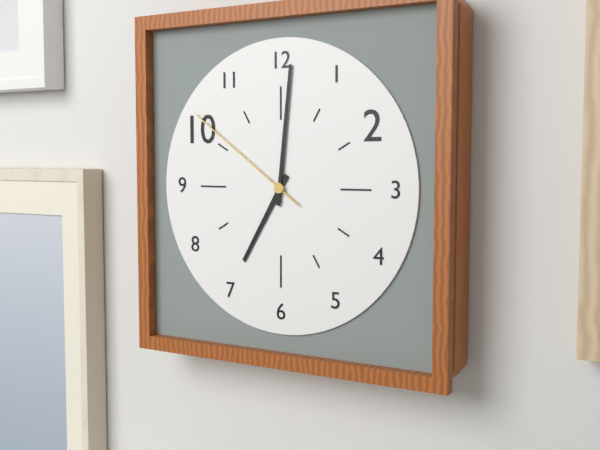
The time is 7h01m51s
